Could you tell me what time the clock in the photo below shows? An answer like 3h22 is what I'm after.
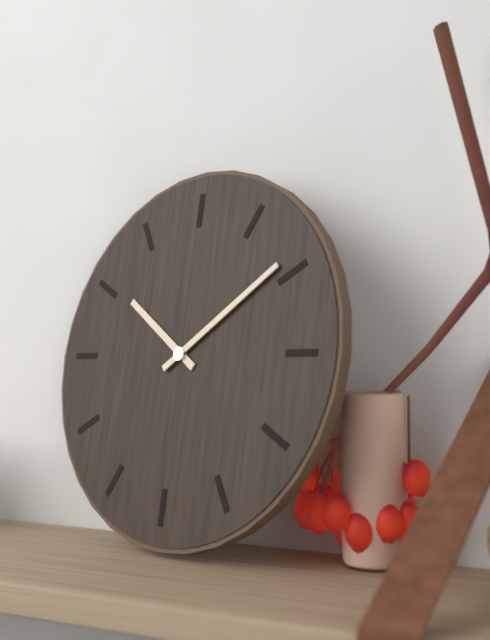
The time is 10h09
